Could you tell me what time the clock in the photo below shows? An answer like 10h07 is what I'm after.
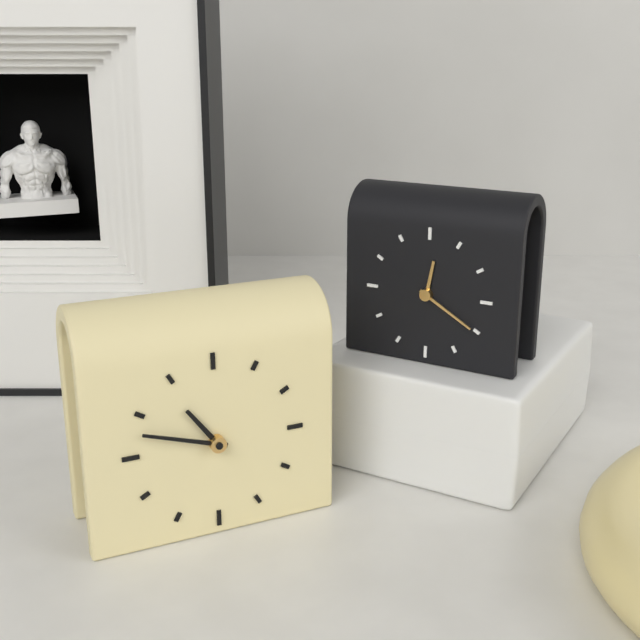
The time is 10h48
